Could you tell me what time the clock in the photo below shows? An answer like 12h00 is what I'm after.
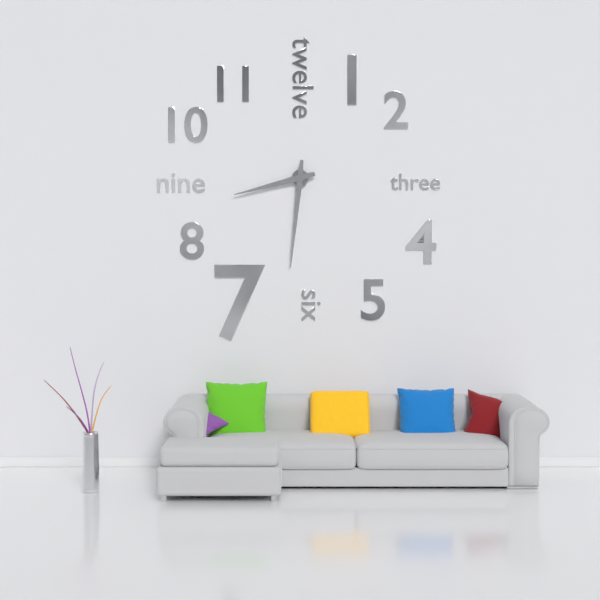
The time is 8h31
